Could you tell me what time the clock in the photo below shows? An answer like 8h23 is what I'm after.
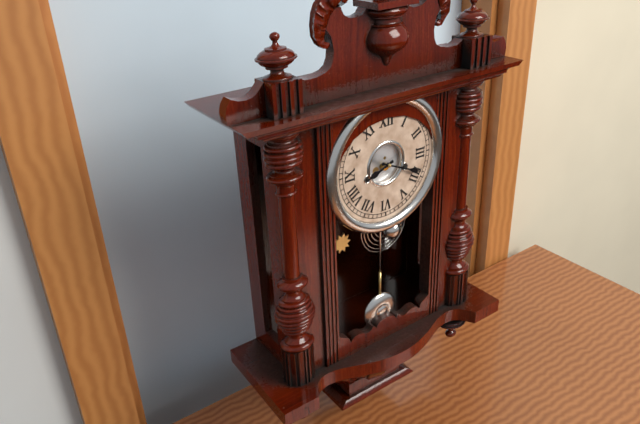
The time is 8h19
